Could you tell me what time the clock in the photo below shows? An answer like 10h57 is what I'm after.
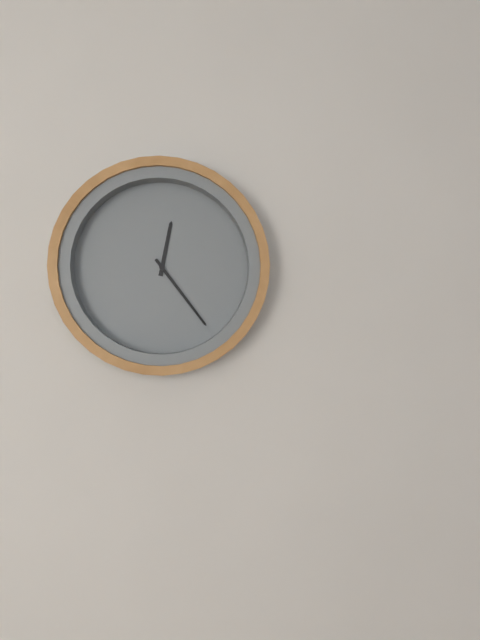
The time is 12h24
